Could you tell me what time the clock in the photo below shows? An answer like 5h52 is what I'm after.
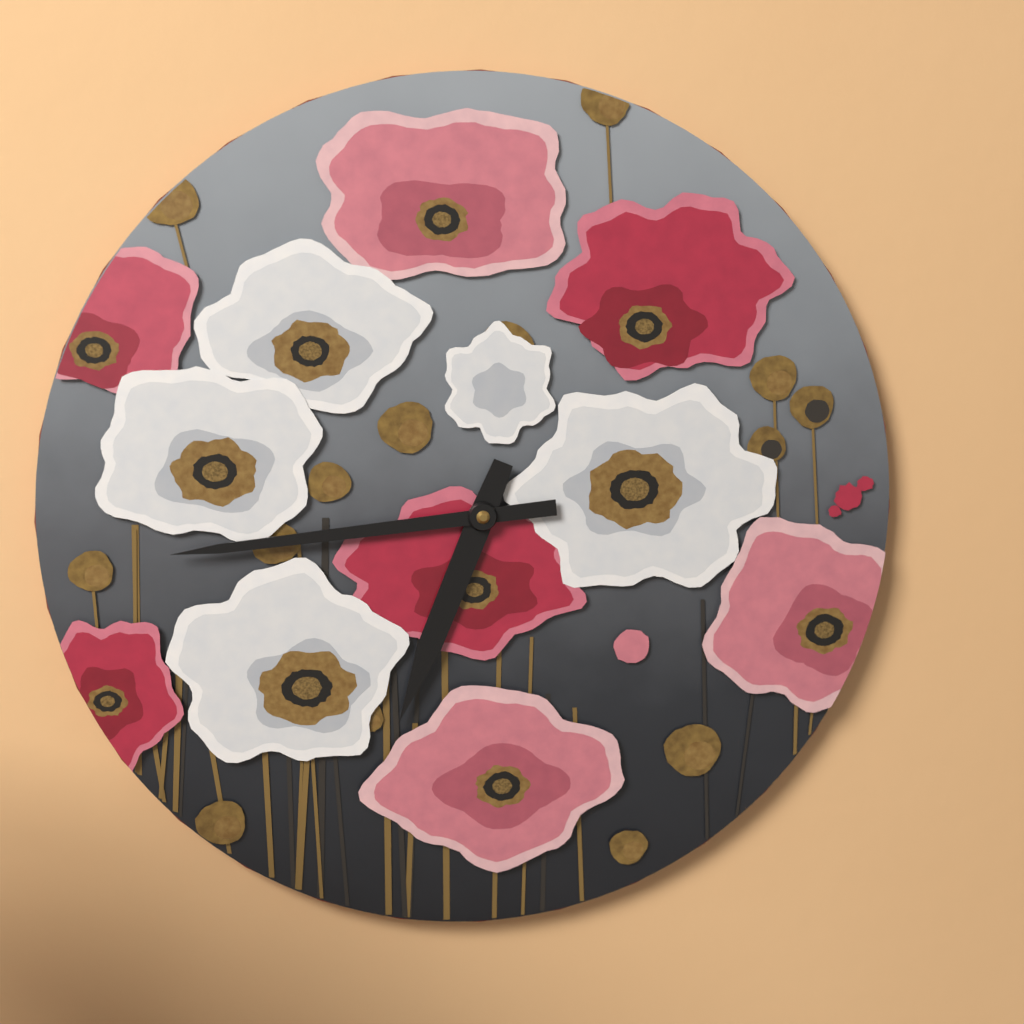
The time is 6h44
